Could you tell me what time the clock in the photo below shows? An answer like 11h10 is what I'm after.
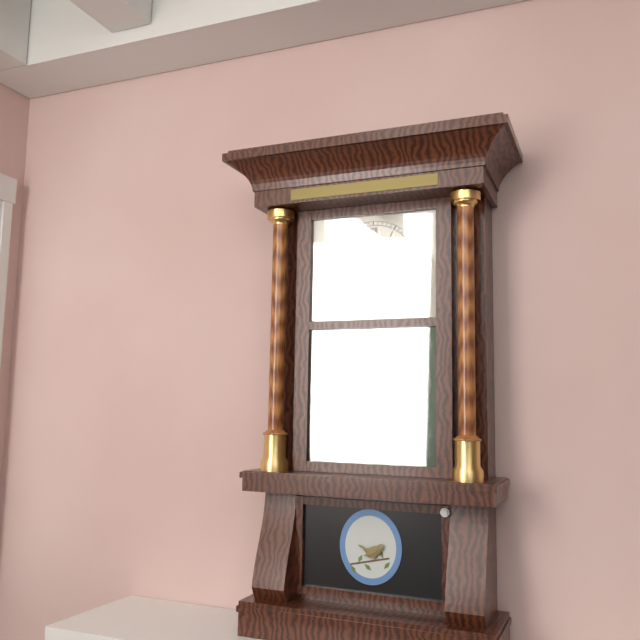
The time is 8h30
